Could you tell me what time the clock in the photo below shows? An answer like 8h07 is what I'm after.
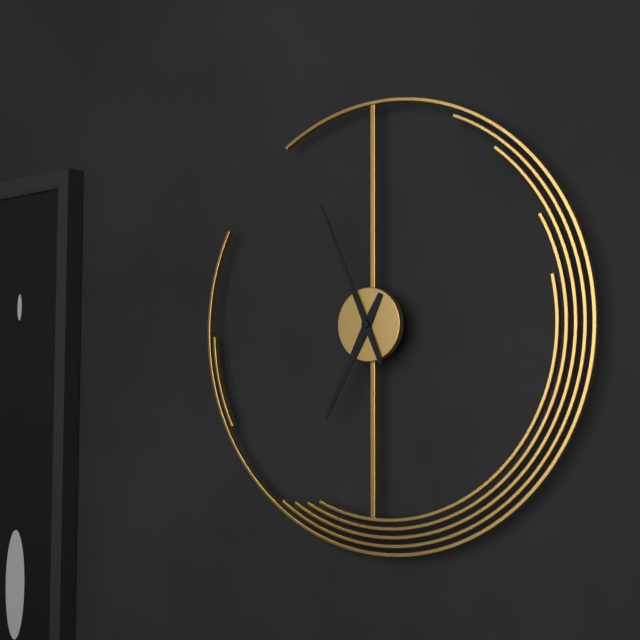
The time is 6h56
